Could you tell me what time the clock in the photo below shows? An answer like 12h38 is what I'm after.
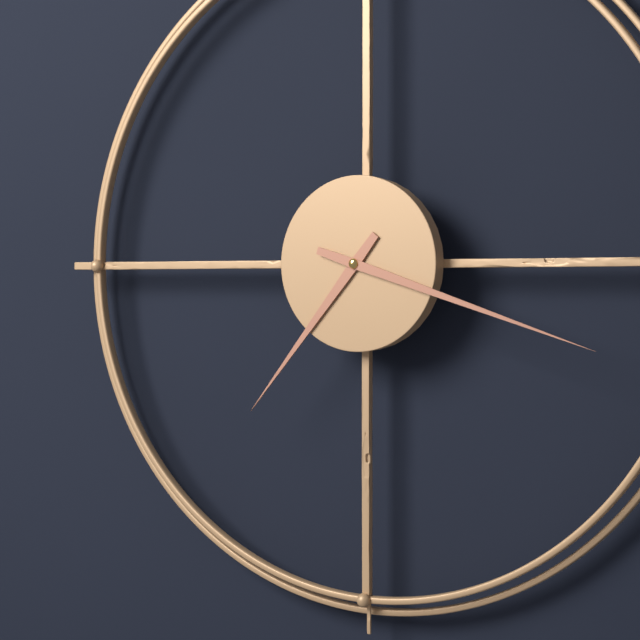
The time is 7h18
